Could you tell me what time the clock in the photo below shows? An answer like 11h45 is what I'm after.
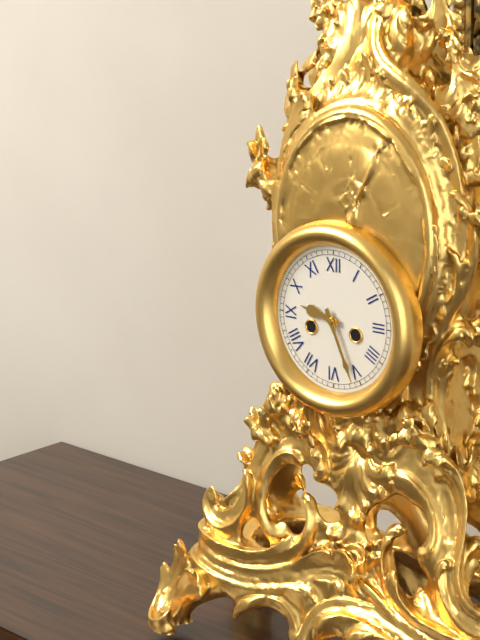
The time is 9h26
